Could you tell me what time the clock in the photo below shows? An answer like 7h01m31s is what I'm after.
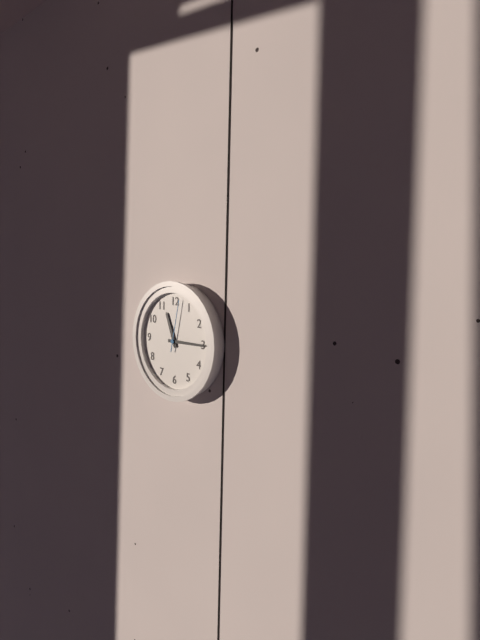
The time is 11h15m02s
